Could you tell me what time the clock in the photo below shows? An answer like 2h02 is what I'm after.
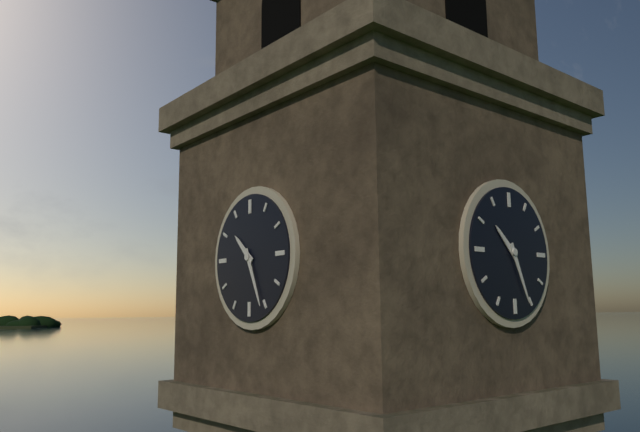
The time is 10h26
